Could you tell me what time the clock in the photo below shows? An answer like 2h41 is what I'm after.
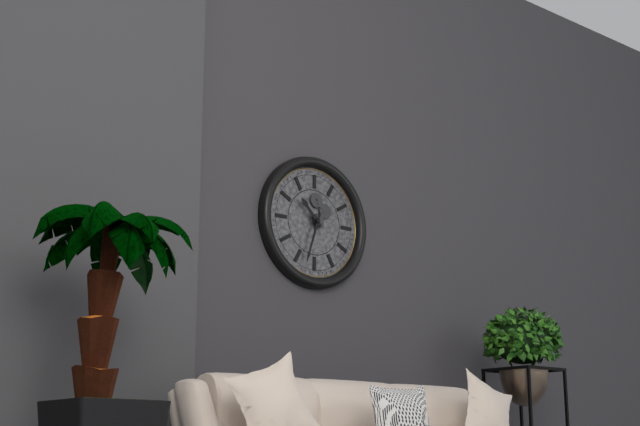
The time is 10h33
